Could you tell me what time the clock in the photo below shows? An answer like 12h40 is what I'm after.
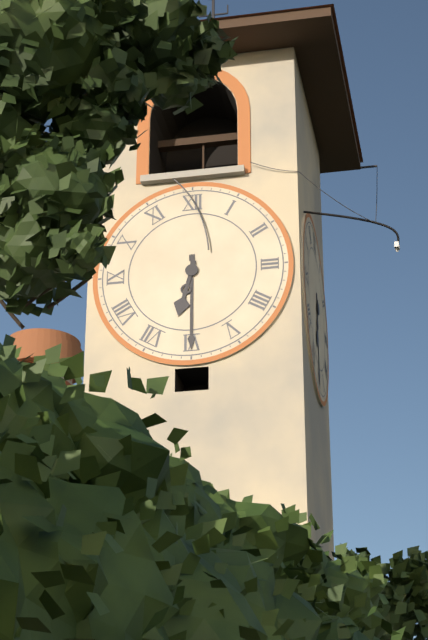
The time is 6h30
